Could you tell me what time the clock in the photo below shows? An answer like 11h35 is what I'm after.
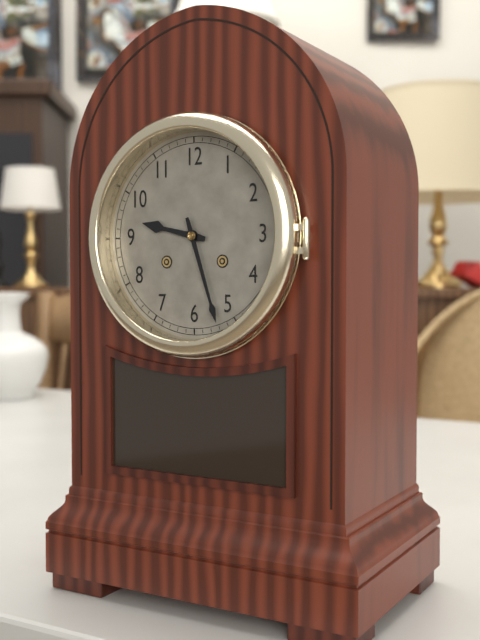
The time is 9h27
